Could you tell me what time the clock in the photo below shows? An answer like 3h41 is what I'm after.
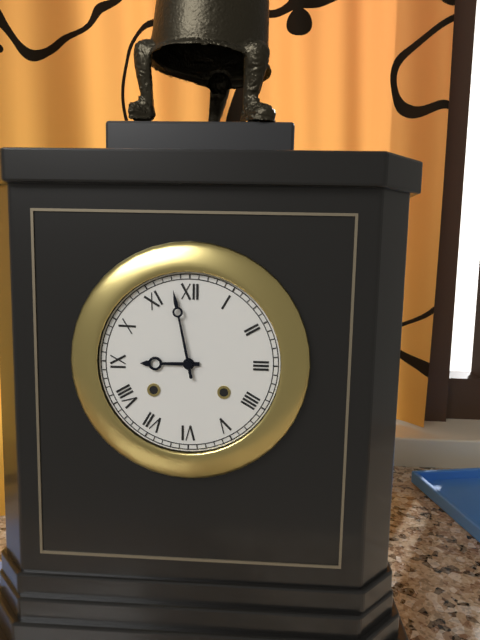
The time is 8h58
